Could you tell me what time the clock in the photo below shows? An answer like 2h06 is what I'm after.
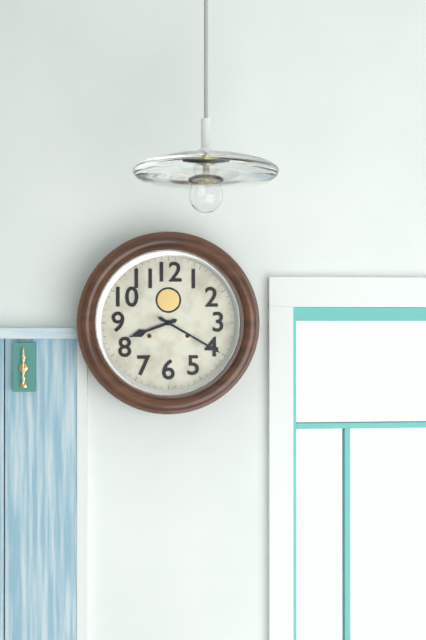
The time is 8h20
